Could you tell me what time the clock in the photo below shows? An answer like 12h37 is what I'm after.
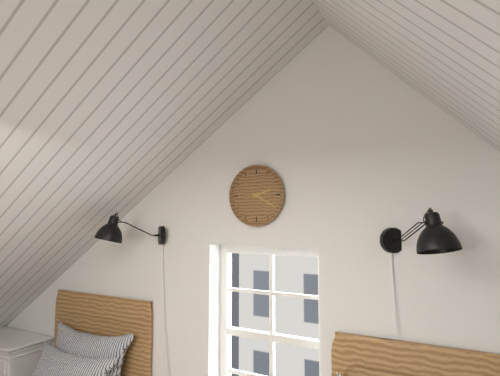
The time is 2h20
